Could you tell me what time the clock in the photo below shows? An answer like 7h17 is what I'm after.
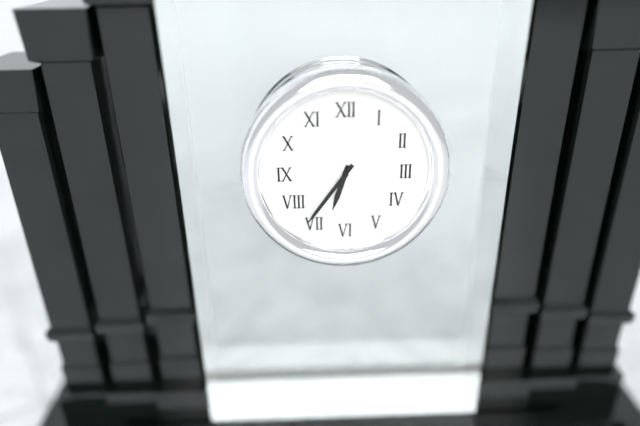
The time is 6h36
